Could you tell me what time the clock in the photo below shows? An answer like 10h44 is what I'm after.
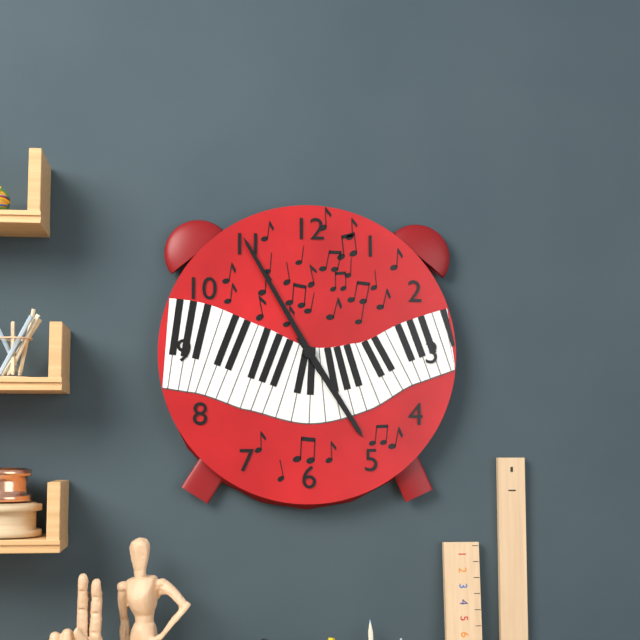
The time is 4h55
